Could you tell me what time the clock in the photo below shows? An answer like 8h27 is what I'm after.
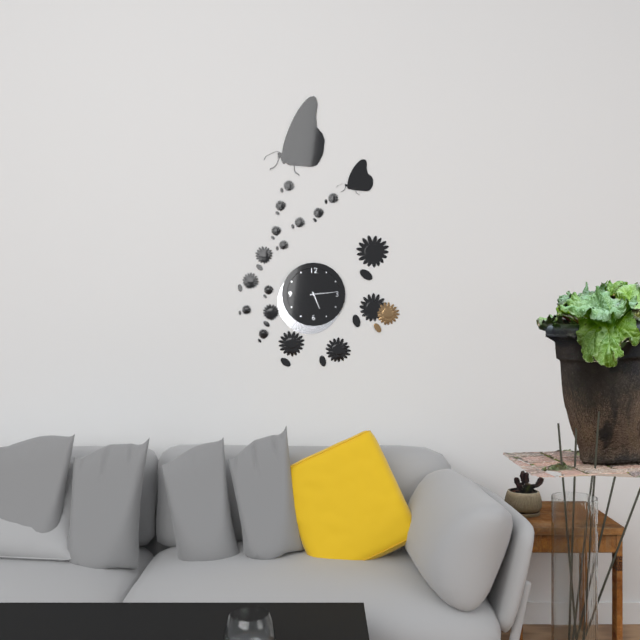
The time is 5h14
